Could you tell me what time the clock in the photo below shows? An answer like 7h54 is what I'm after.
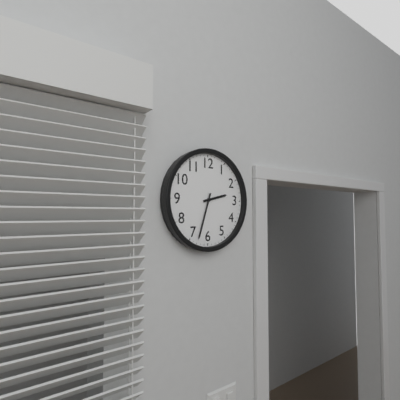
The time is 2h33
